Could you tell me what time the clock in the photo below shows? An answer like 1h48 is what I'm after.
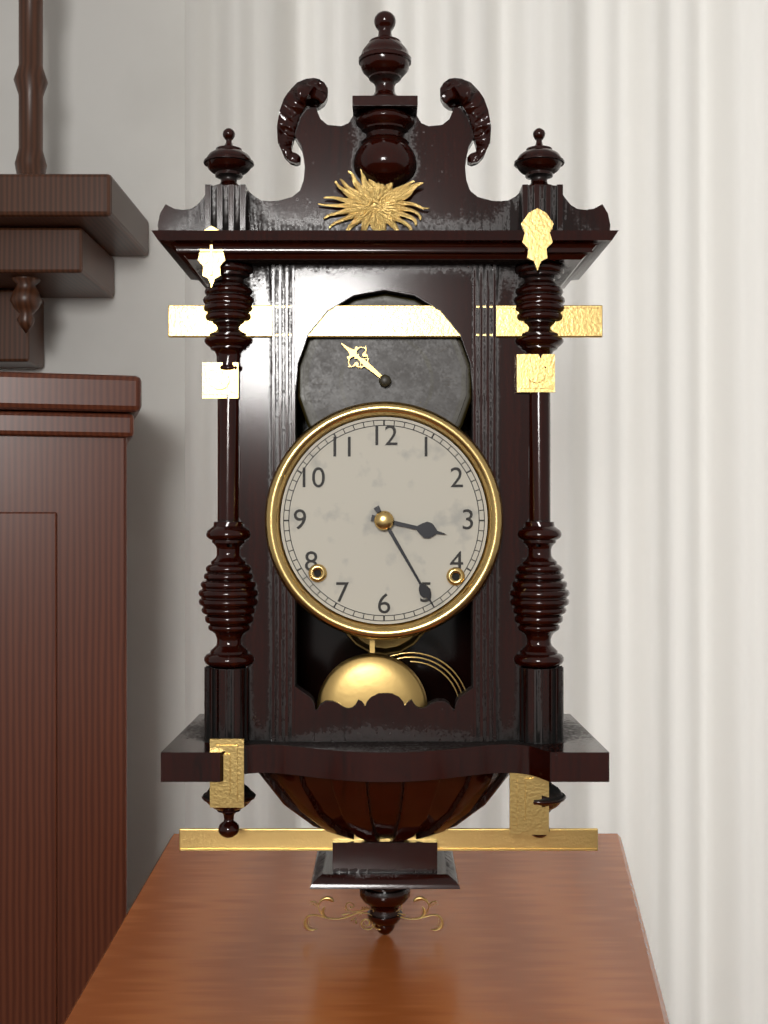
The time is 3h25
